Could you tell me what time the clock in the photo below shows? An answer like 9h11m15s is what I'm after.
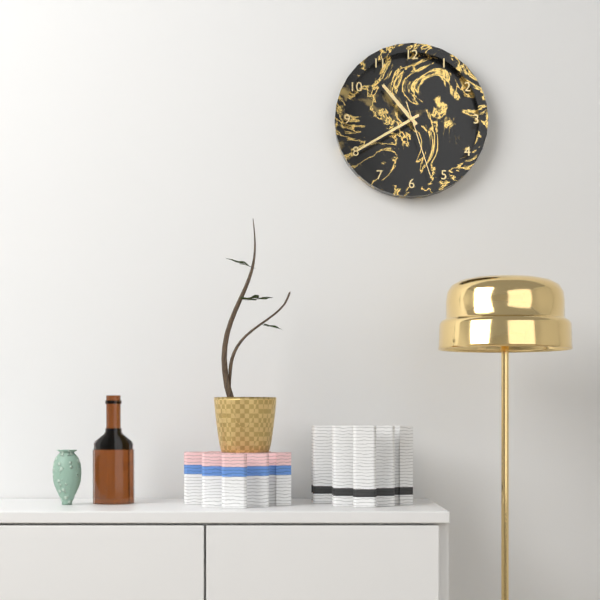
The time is 10h40m27s
